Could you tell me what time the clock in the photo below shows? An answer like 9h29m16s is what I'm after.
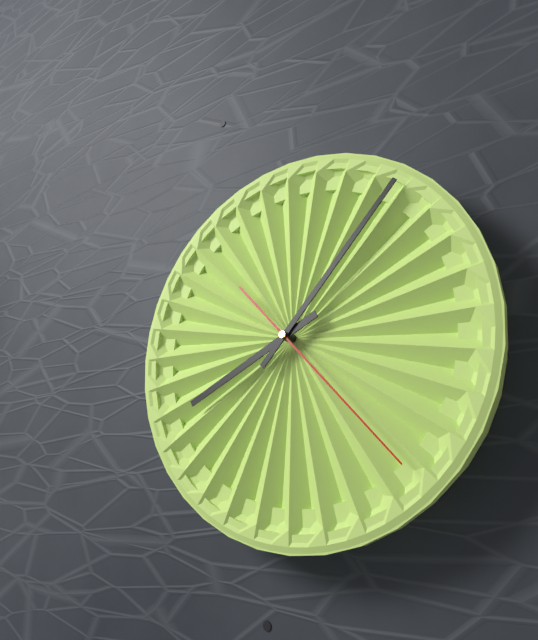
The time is 8h07m23s
